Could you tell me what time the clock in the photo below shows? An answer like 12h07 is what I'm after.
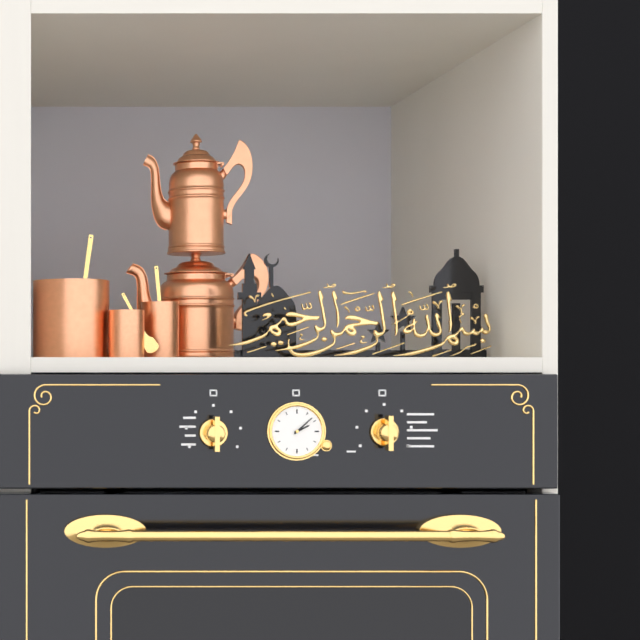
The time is 2h08
